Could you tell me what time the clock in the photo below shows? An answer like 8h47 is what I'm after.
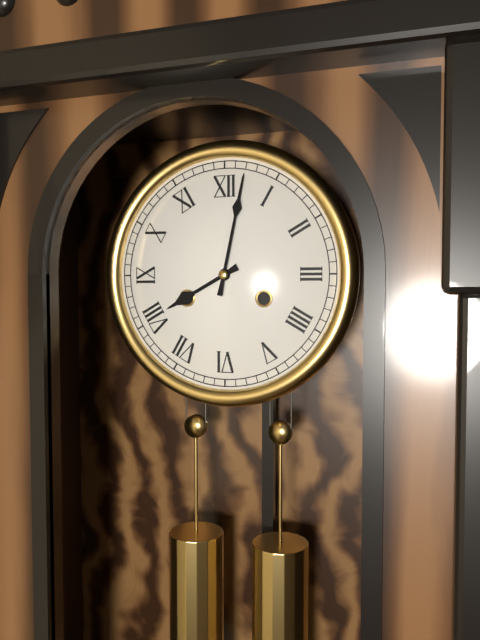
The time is 8h02
